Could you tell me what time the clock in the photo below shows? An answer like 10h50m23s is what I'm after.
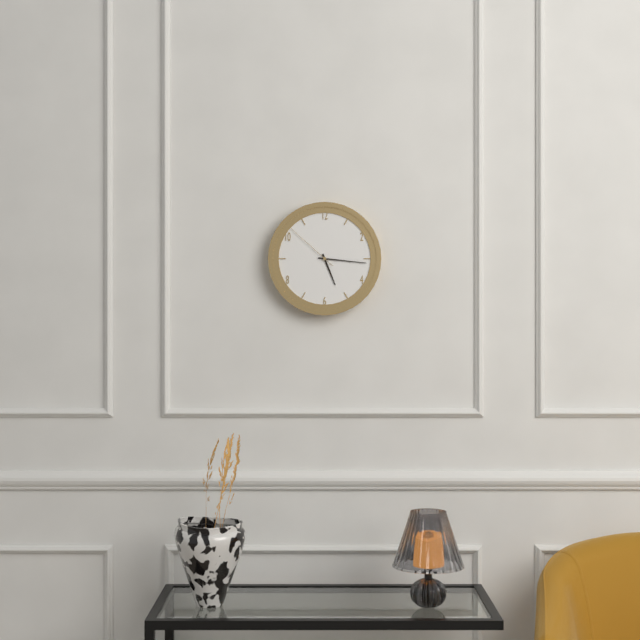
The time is 5h16m52s
